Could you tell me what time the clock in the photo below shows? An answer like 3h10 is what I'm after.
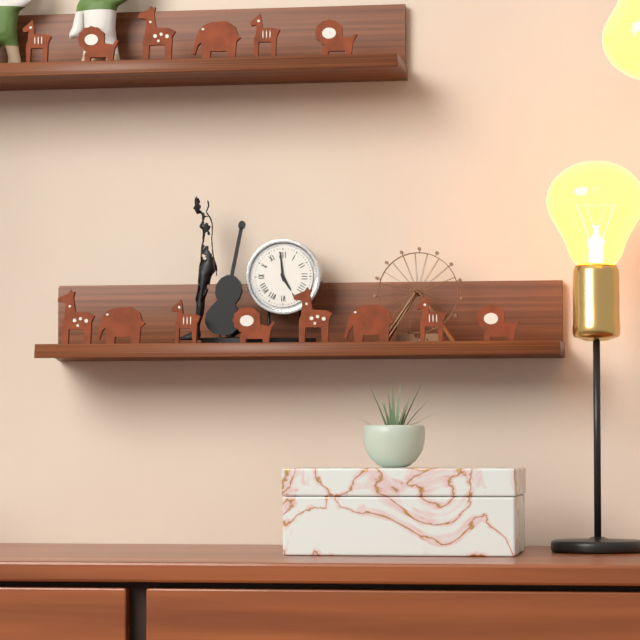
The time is 4h59
